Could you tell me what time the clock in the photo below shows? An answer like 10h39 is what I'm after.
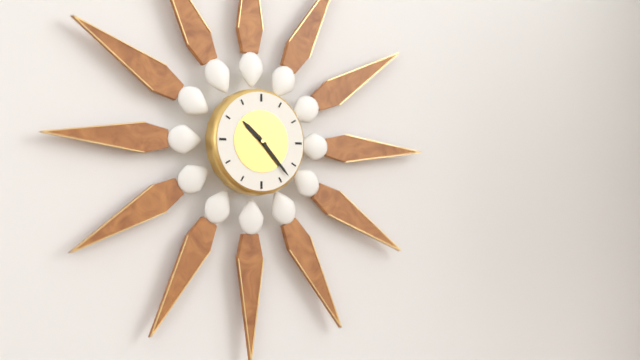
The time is 10h23
